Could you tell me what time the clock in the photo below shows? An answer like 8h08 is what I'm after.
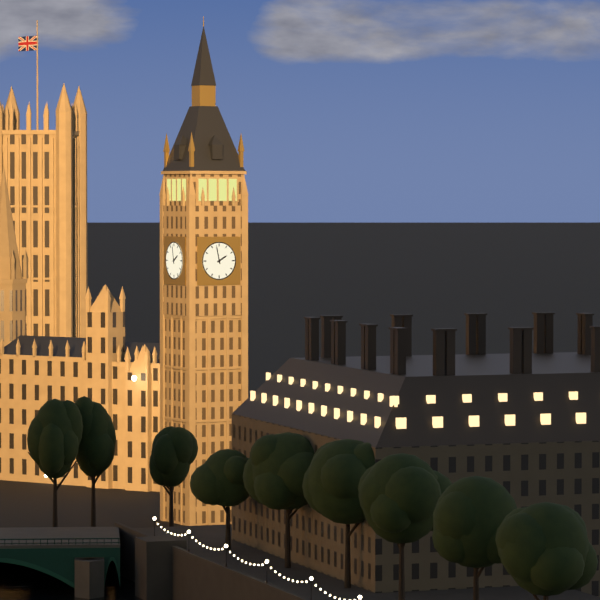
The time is 1h58
